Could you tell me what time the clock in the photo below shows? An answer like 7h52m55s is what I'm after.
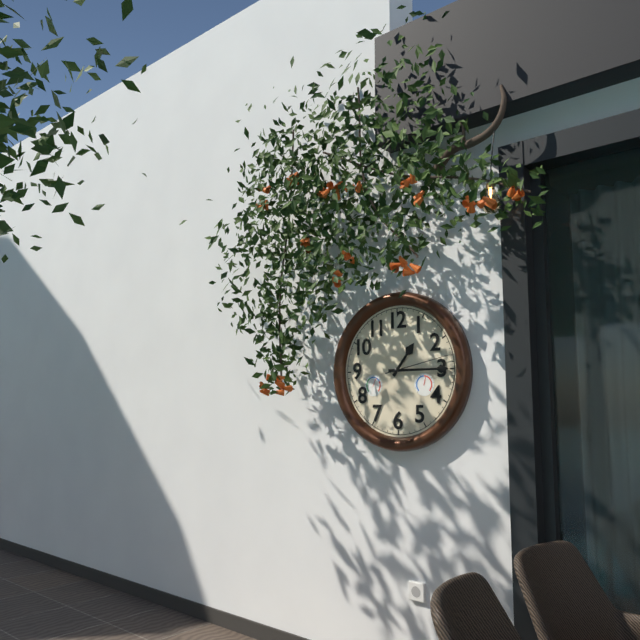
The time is 1h15m13s
